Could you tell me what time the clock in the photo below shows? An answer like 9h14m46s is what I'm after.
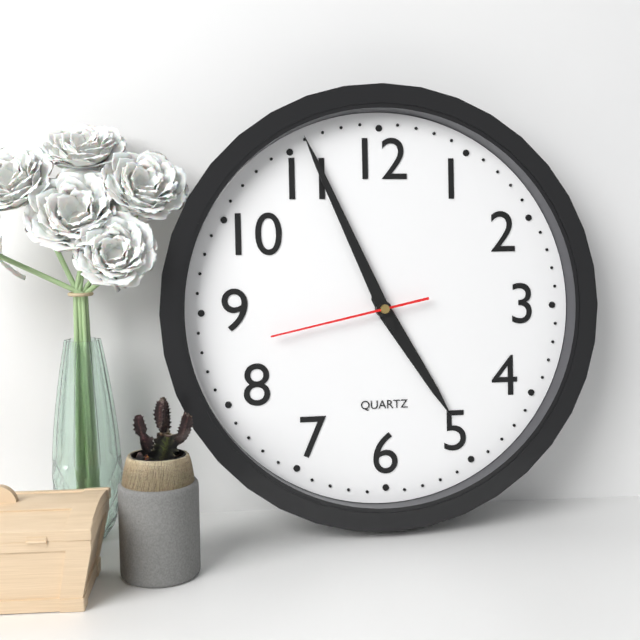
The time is 4h56m43s
